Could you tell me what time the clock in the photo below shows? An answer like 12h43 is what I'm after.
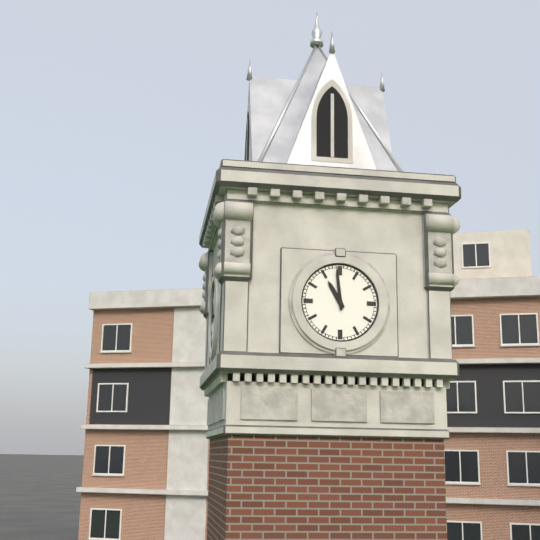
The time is 10h59
